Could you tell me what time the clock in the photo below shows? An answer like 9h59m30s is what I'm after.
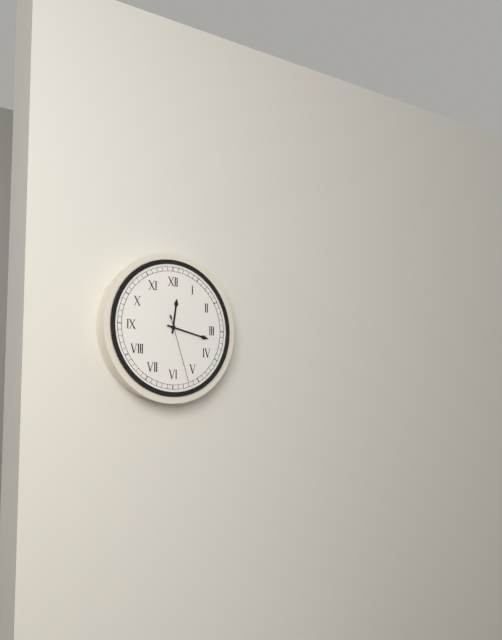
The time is 12h17m27s
